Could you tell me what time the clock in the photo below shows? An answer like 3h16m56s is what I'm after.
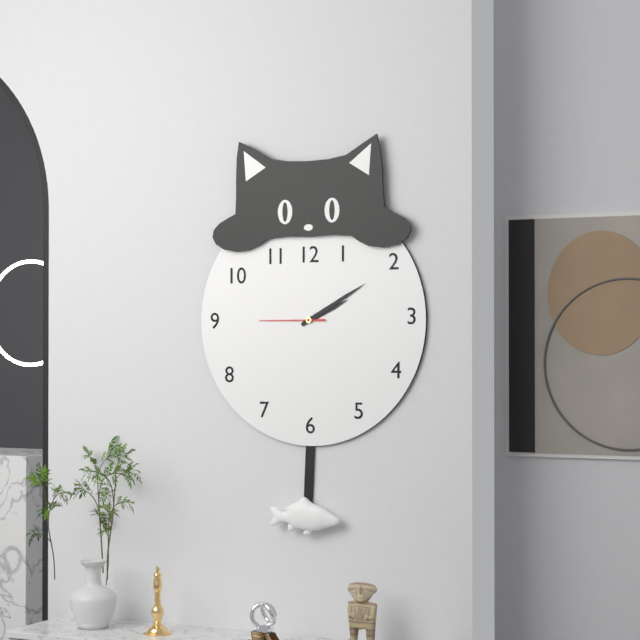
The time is 2h10m45s
